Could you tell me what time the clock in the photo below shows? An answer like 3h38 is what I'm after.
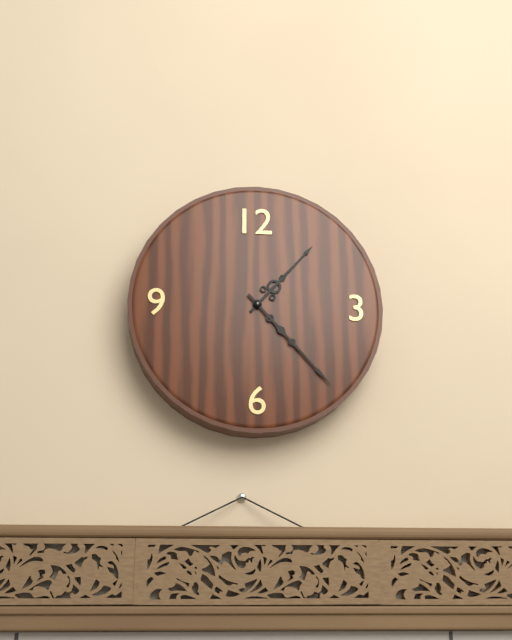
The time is 1h23
